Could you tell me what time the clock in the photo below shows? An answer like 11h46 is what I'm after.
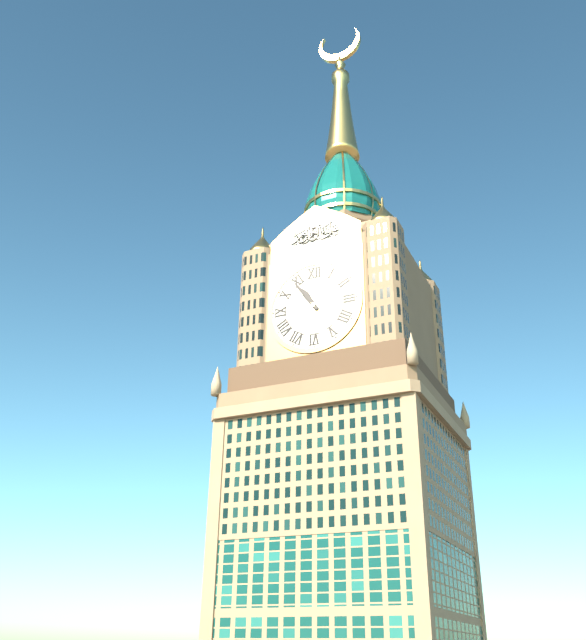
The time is 10h54
